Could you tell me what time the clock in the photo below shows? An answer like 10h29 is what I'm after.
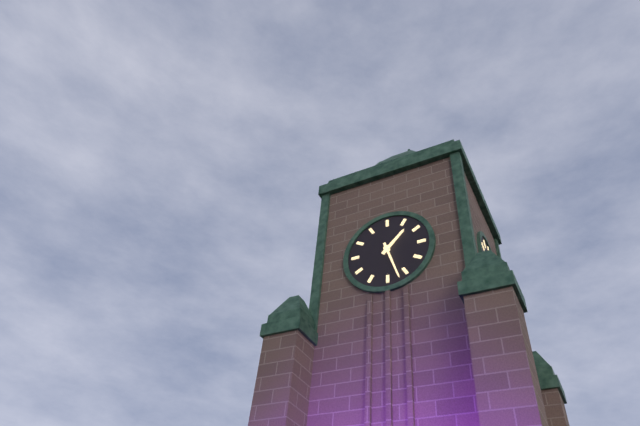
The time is 1h27
